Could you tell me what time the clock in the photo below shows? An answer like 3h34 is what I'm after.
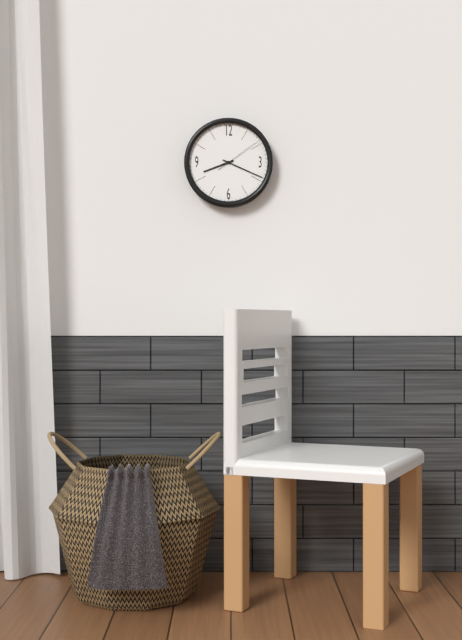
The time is 8h19
